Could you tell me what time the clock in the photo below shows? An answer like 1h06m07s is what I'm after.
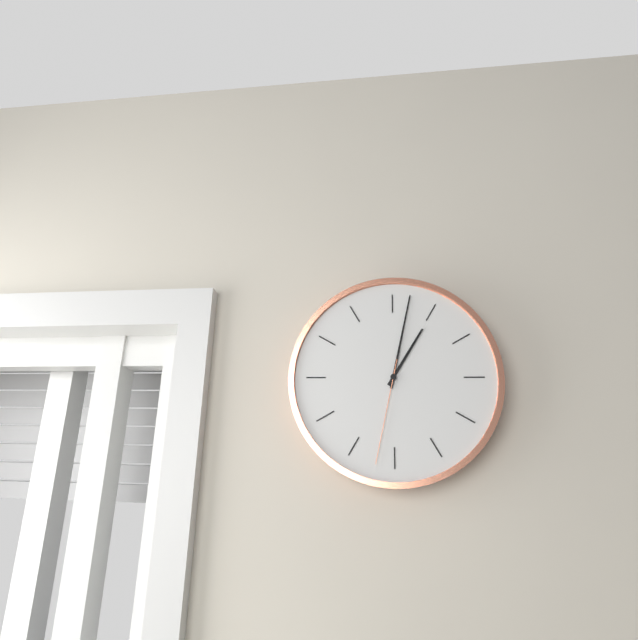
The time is 1h02m32s
